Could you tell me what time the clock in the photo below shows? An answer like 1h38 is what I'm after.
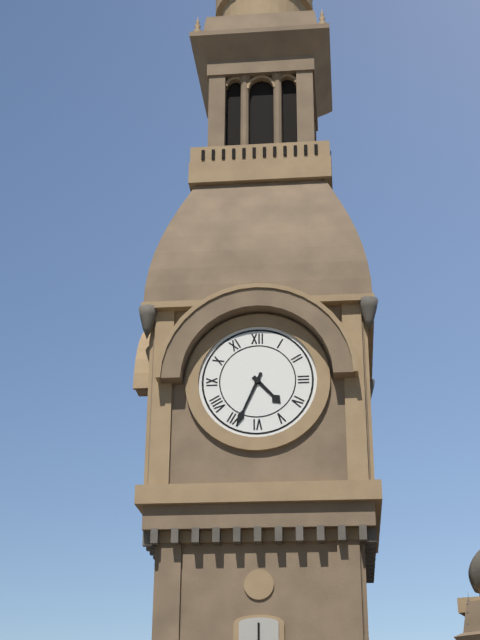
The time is 4h34
